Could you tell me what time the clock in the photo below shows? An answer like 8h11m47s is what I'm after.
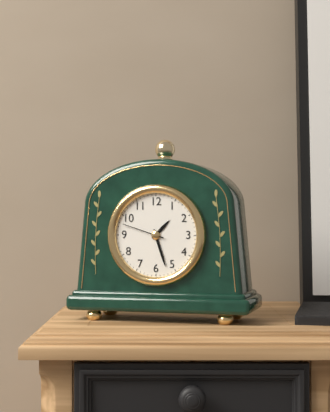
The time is 1h27m48s
